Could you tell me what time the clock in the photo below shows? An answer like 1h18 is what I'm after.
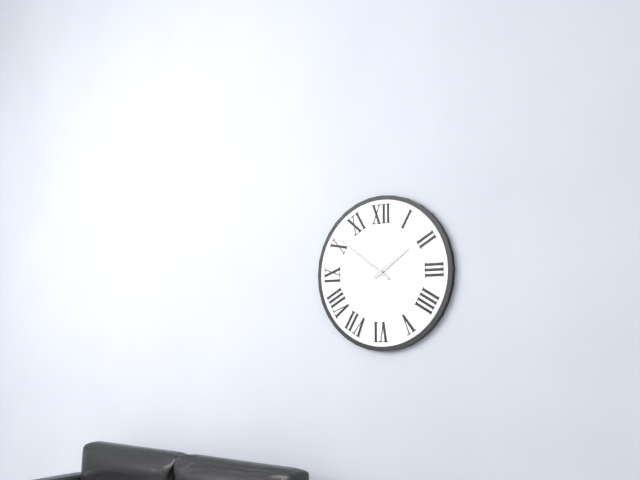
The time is 1h51
